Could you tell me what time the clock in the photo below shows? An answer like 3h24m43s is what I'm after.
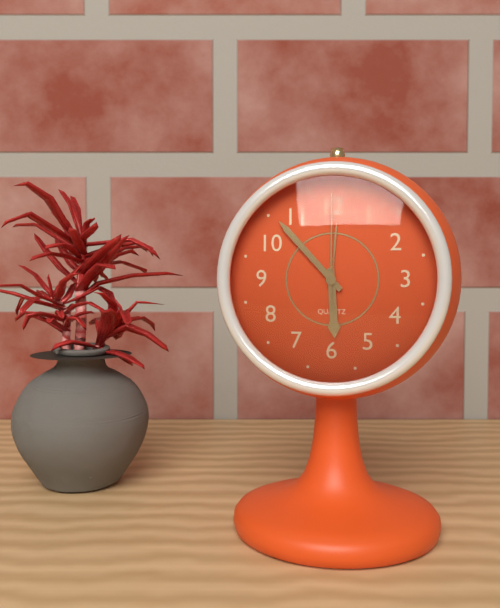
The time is 5h53m00s
